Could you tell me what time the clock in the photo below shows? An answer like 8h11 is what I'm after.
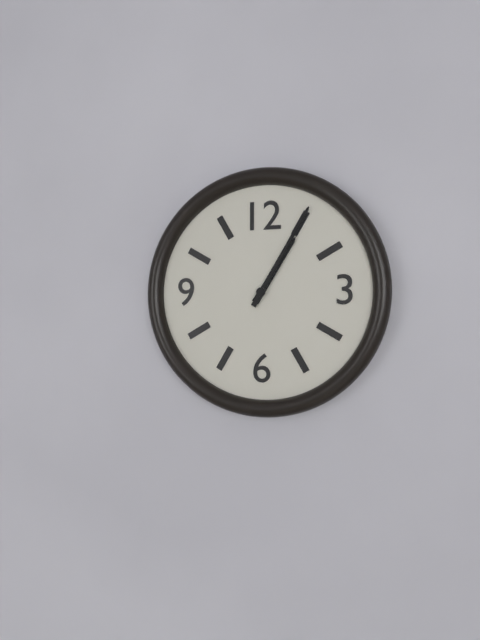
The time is 1h05
